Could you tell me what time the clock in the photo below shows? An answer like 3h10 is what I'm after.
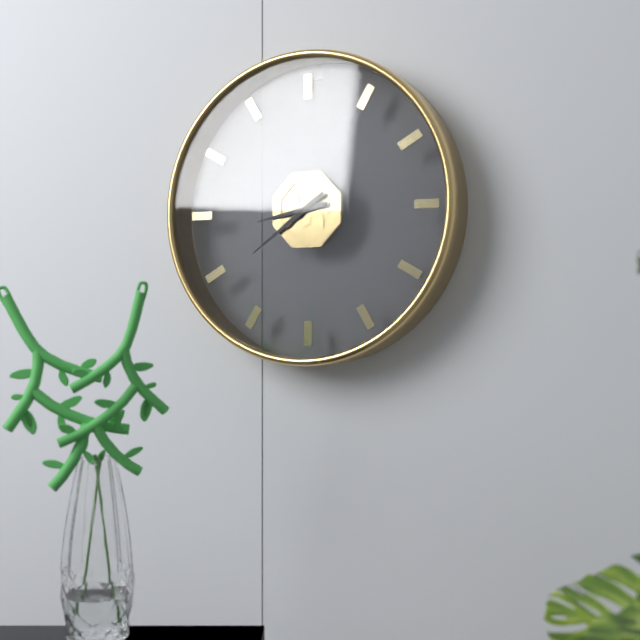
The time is 8h39
